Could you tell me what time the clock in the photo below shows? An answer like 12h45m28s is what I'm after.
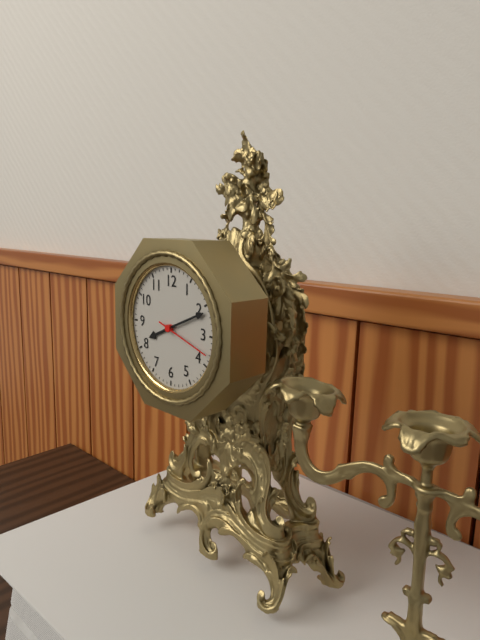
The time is 8h11m18s
